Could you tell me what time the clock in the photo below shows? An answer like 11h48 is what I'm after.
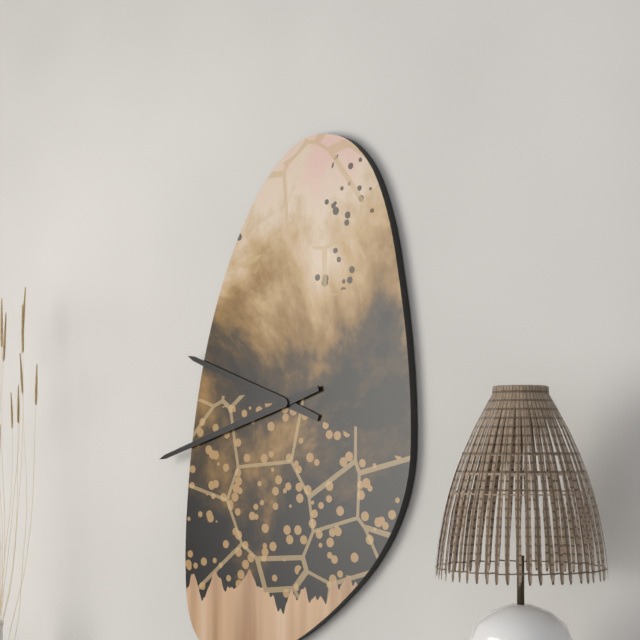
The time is 9h42
